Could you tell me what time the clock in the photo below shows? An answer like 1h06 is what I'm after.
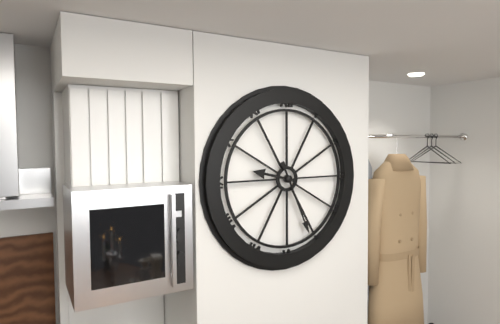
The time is 9h26
